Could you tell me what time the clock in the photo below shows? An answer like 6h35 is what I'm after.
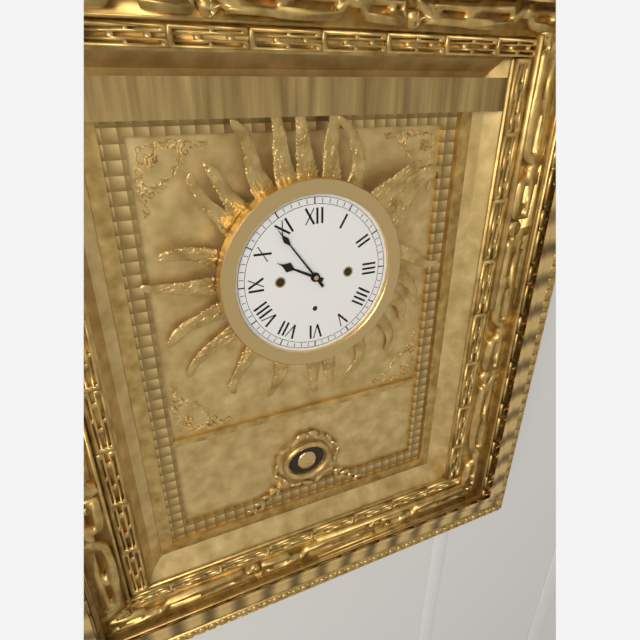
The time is 9h54
